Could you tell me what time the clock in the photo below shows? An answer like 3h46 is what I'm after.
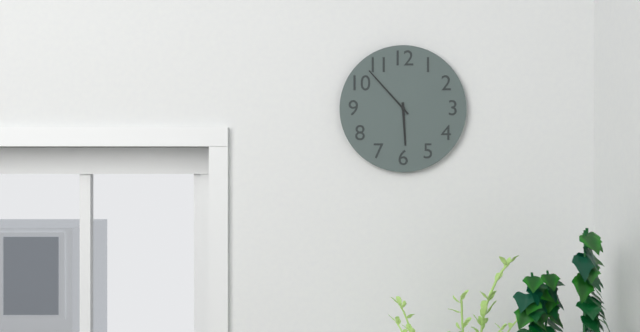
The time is 5h53
